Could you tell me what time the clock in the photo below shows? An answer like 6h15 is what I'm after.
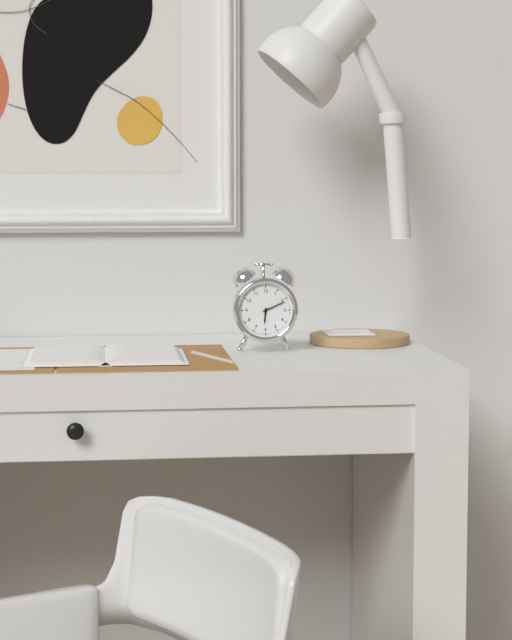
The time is 6h11
